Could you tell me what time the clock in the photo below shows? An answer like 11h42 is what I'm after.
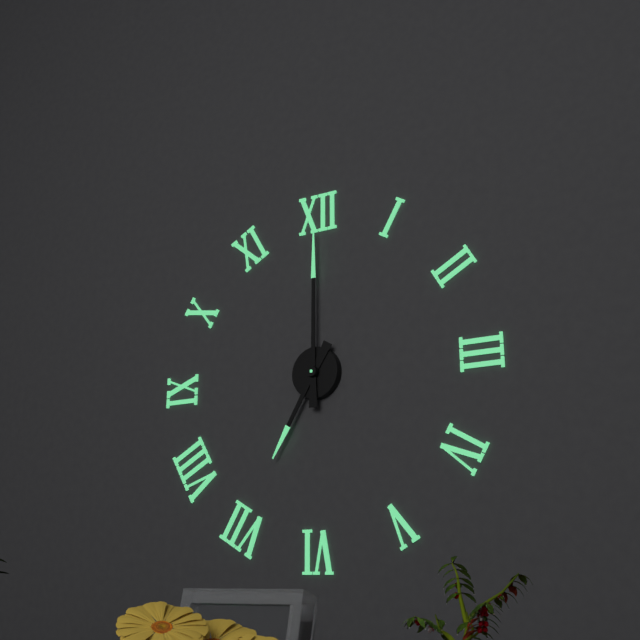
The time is 7h00
